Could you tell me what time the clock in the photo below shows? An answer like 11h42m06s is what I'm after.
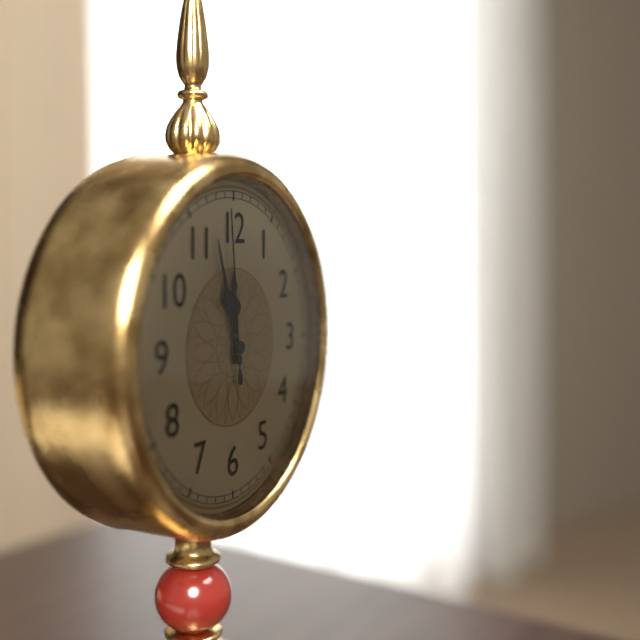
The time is 11h57m59s
